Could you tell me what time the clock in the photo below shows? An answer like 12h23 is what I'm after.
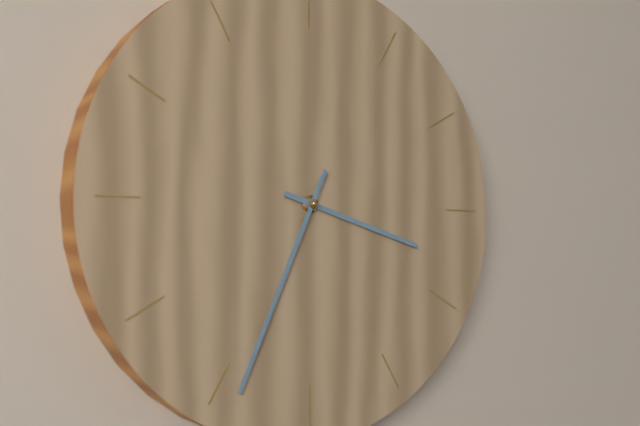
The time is 3h34
